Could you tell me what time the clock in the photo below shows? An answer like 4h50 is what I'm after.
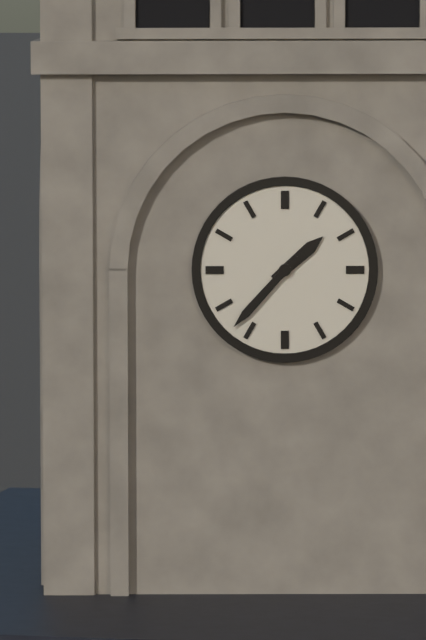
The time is 1h37
